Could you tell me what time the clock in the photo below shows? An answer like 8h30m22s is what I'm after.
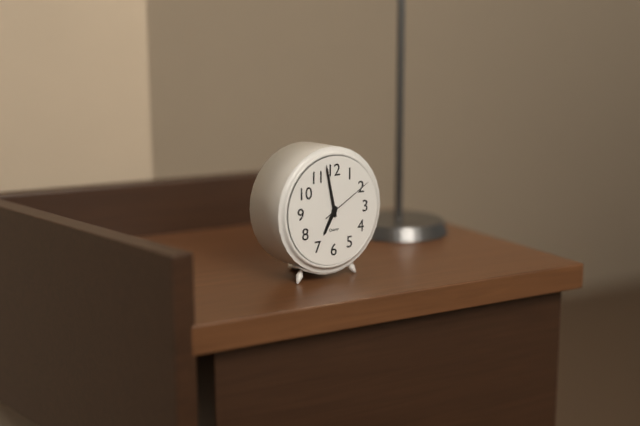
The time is 6h58m10s
